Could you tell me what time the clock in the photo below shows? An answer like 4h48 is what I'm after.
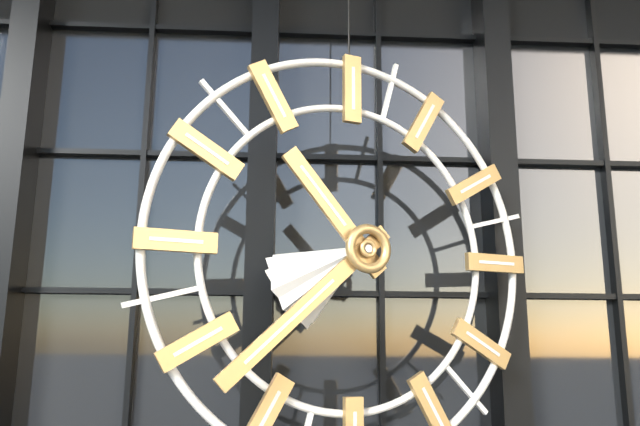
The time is 10h38
